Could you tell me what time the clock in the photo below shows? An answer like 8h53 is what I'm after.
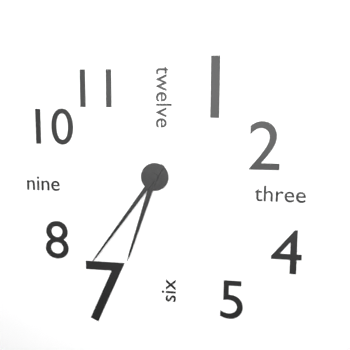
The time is 6h36
